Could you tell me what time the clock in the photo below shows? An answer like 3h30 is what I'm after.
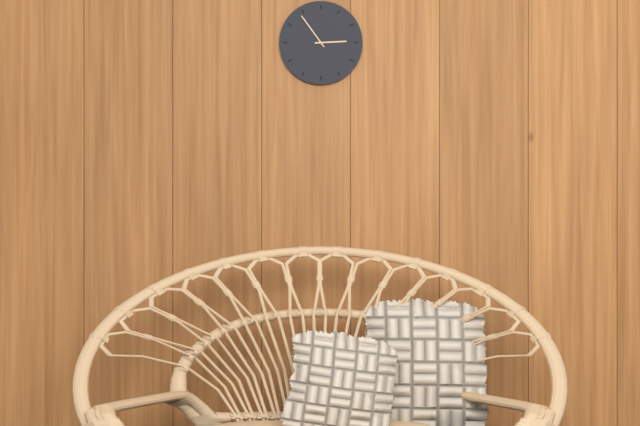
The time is 2h54
